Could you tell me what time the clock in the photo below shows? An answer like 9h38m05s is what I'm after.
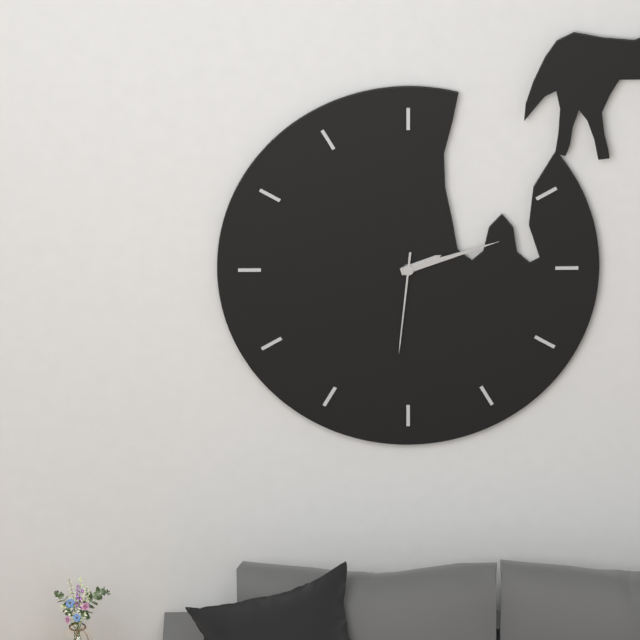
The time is 2h12m31s
